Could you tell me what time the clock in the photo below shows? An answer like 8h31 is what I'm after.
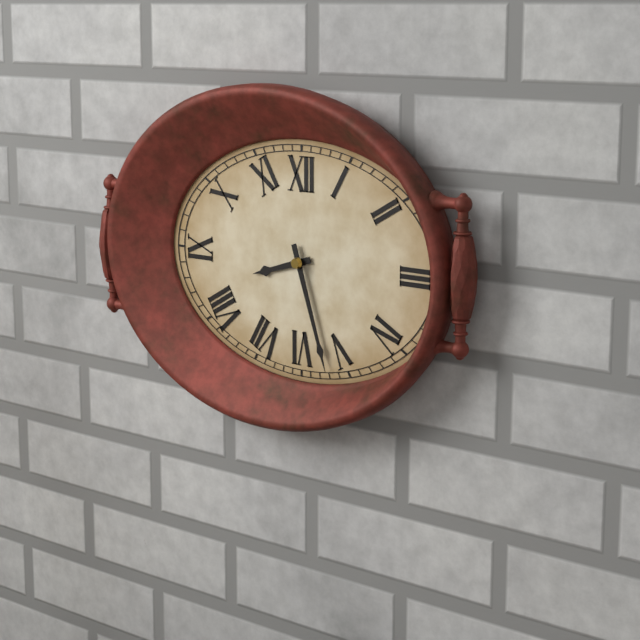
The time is 8h27
